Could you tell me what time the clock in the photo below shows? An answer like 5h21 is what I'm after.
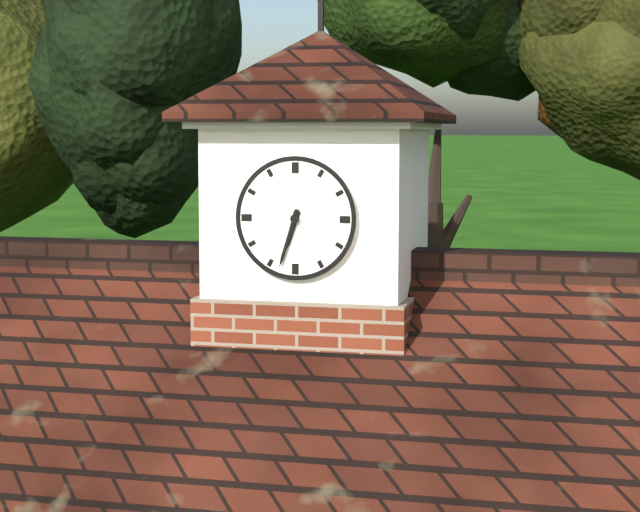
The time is 6h33
